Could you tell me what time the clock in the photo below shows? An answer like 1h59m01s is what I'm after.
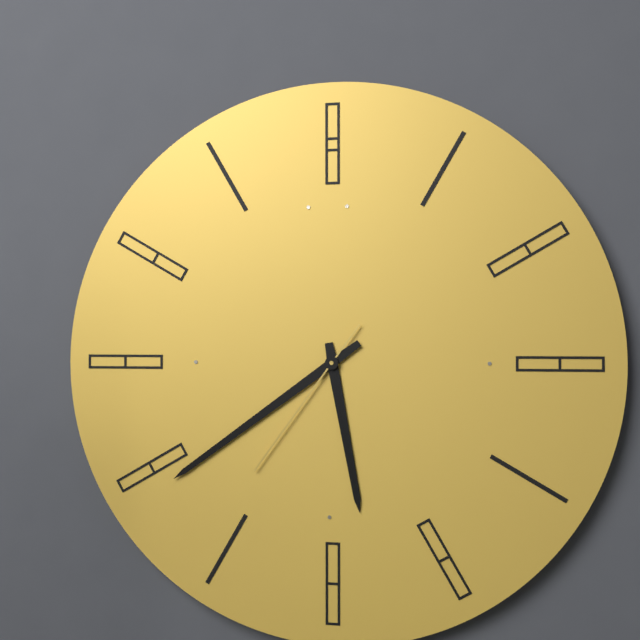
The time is 5h39m36s
